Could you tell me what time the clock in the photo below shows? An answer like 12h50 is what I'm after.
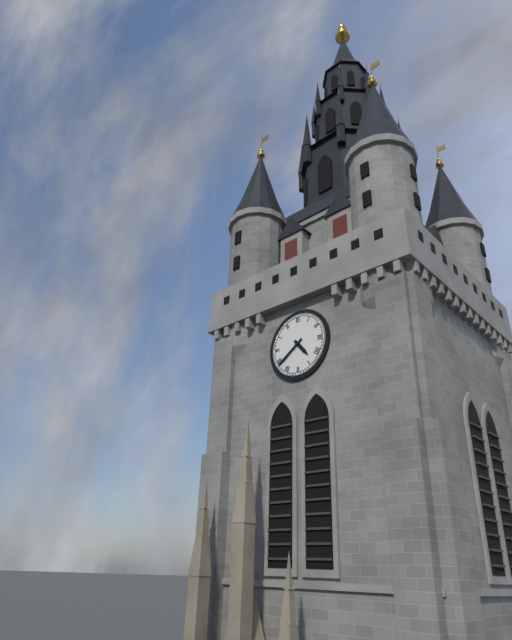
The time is 4h39
